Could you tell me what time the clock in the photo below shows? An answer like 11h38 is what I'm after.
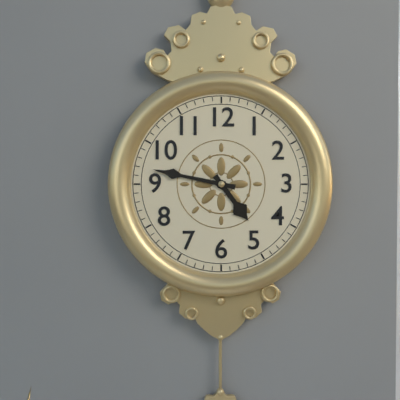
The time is 4h47
